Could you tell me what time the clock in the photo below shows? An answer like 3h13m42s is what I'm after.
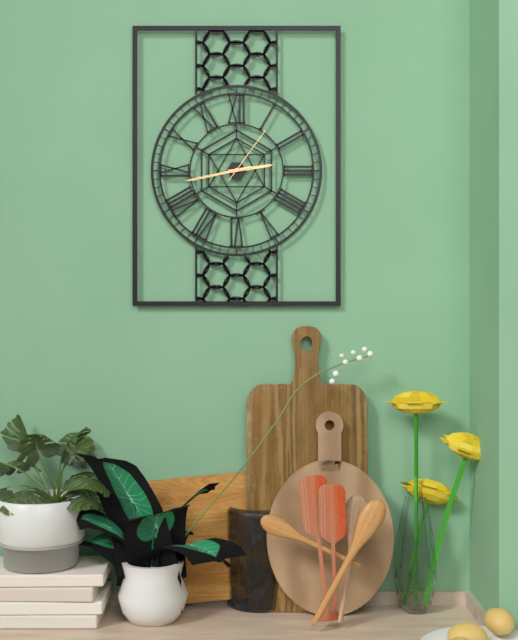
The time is 2h43m06s
